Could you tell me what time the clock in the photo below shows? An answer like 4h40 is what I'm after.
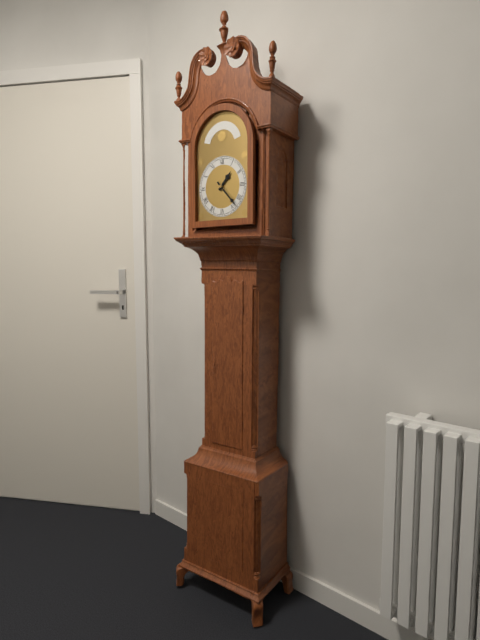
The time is 1h23
